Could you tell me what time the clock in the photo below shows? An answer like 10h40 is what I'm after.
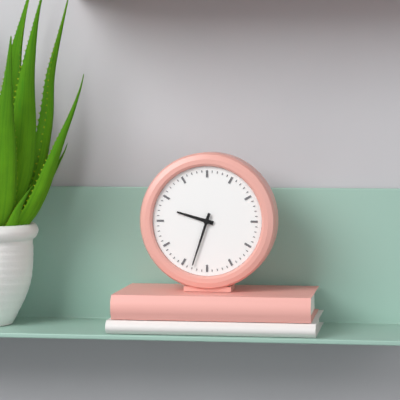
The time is 9h33
